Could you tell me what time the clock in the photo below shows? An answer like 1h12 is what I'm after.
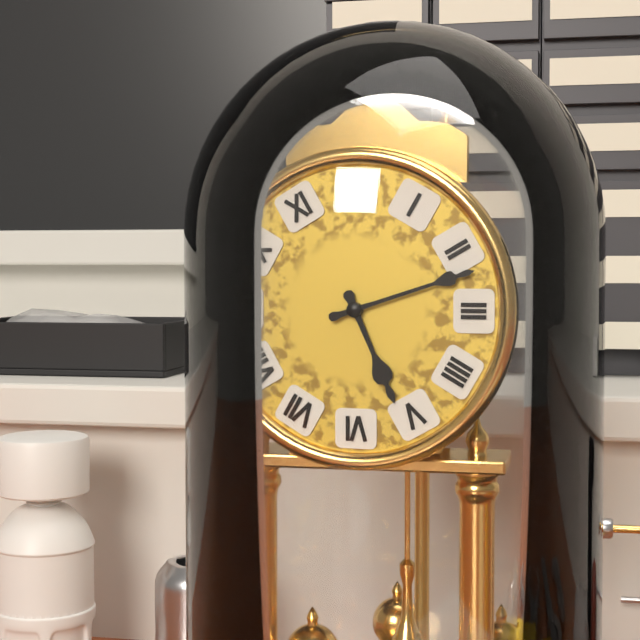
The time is 5h12
